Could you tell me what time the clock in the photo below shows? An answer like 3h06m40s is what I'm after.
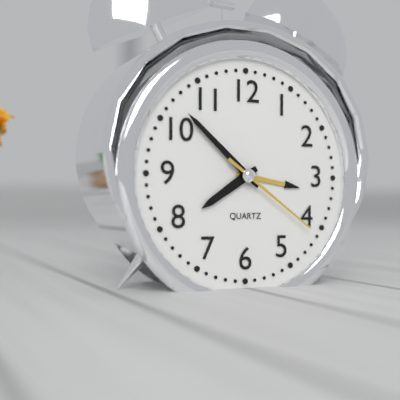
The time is 7h52m21s
